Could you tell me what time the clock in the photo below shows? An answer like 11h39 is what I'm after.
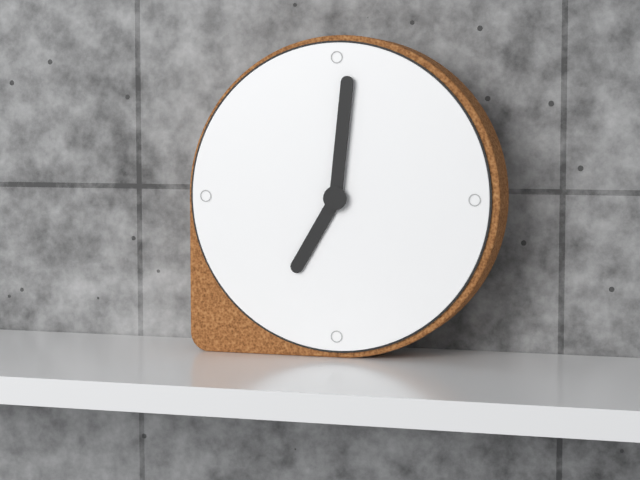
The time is 7h01
